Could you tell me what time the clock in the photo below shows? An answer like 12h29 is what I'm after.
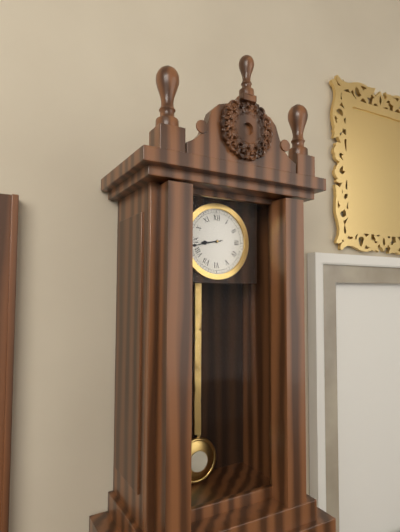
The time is 8h43
